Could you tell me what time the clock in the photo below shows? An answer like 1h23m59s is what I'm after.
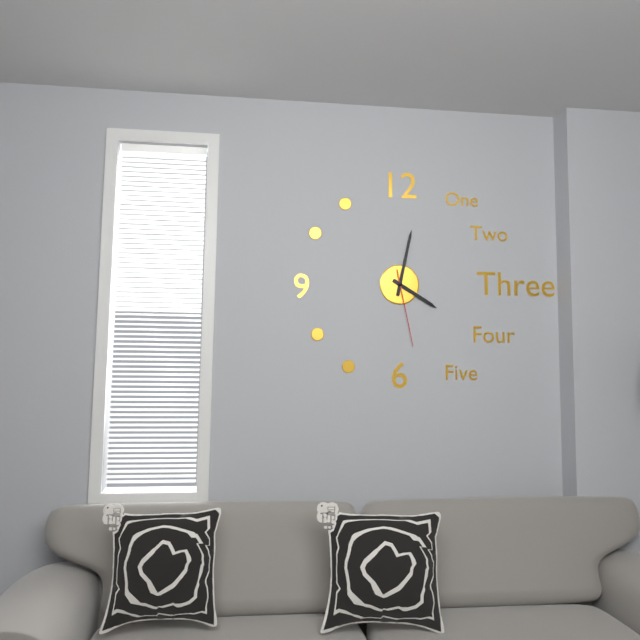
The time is 4h02m28s
